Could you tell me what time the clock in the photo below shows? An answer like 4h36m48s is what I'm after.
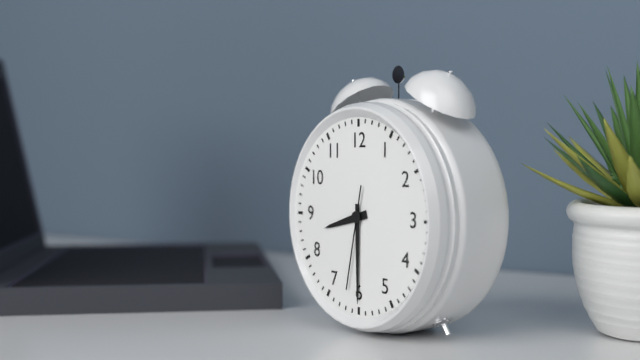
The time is 8h30m32s
